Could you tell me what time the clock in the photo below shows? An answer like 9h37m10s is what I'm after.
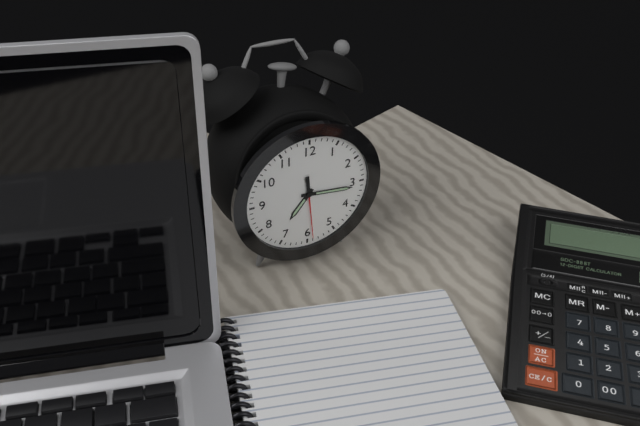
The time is 7h16m29s
